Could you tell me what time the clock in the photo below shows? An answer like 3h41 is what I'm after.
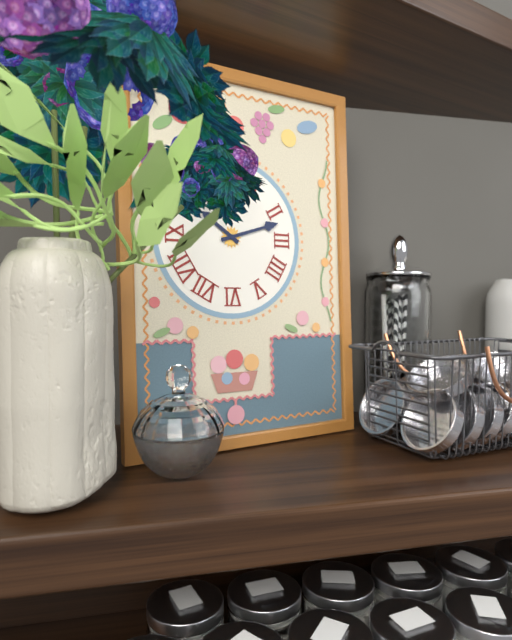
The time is 10h12
